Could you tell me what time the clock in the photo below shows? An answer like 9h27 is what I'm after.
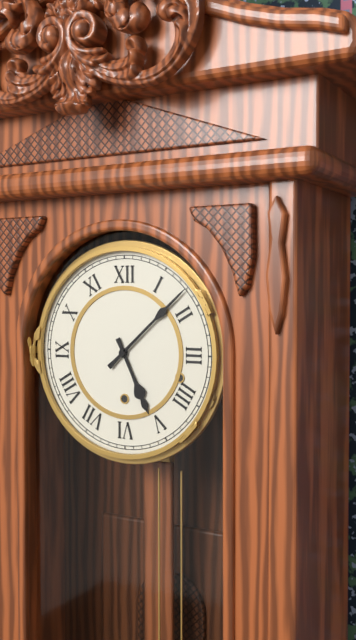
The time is 5h08
